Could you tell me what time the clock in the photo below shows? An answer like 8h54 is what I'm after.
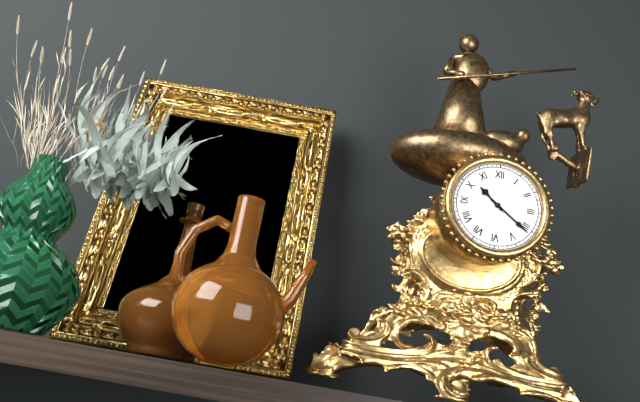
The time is 10h21
